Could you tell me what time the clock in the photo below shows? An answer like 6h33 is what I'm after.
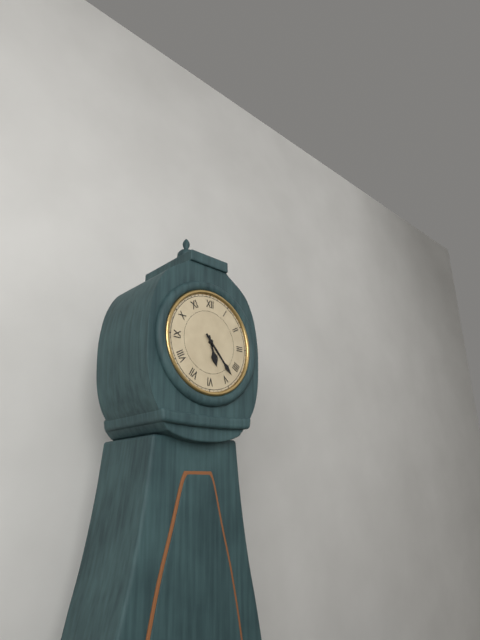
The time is 5h23
